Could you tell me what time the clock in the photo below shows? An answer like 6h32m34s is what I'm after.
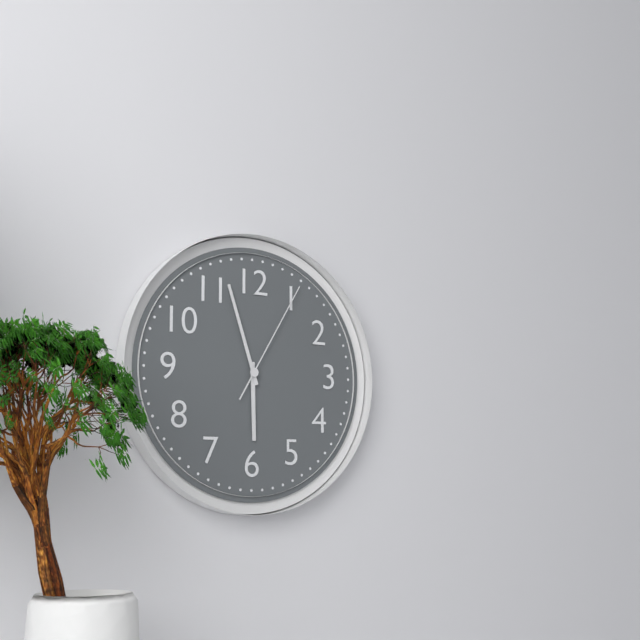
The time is 5h57m05s
